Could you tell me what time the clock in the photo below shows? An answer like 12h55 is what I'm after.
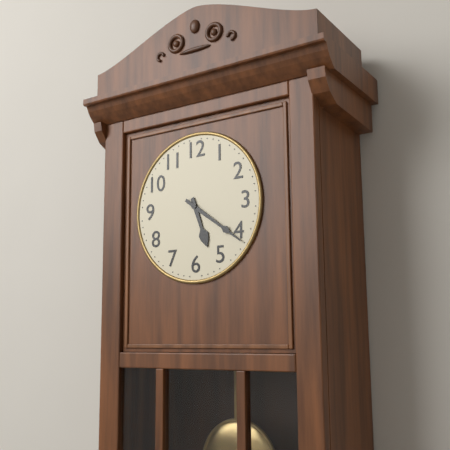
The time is 5h21
